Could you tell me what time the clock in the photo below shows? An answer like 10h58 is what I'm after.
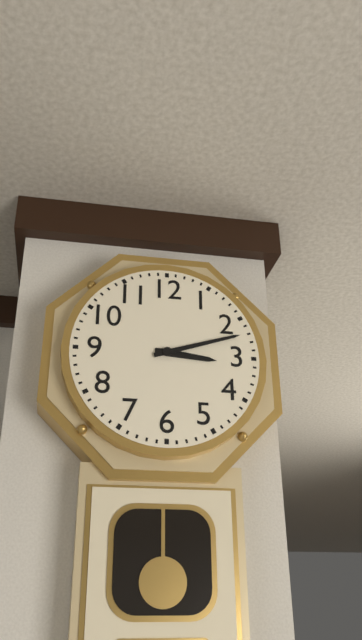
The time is 3h12
